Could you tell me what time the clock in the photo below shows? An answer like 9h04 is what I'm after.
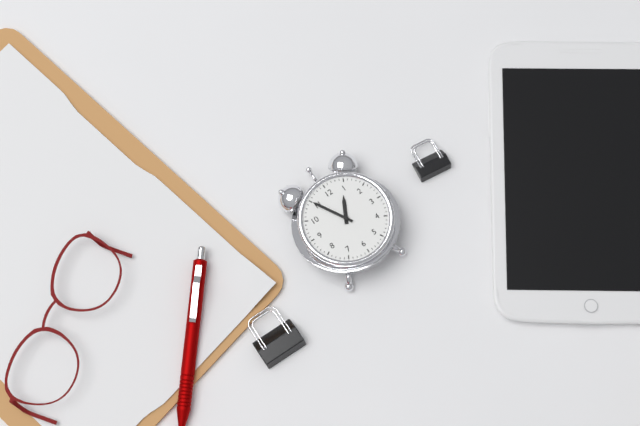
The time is 12h55
